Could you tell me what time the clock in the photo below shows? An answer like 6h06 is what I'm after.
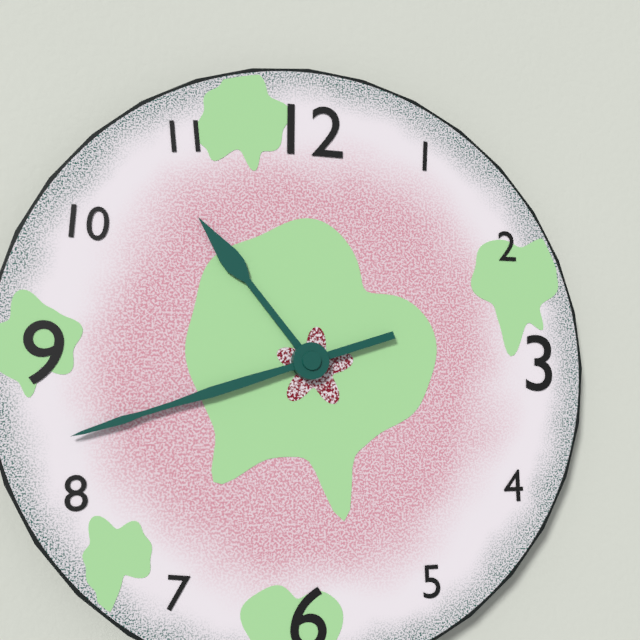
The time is 10h42
